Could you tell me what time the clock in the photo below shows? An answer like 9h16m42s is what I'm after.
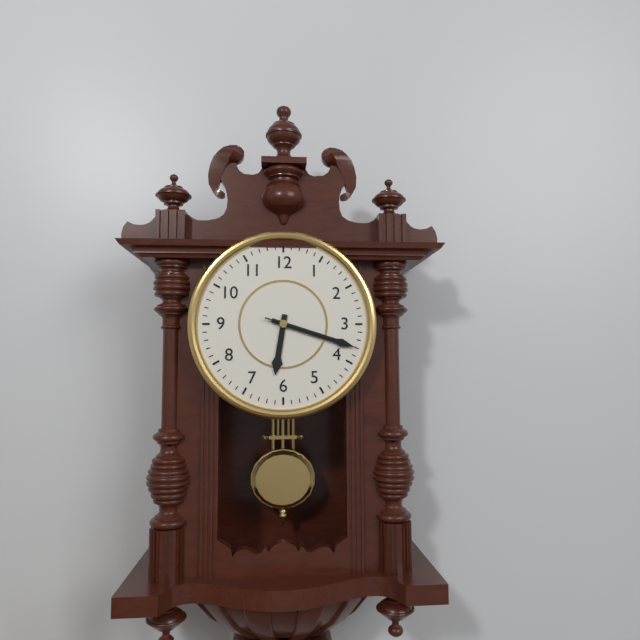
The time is 6h18m18s
